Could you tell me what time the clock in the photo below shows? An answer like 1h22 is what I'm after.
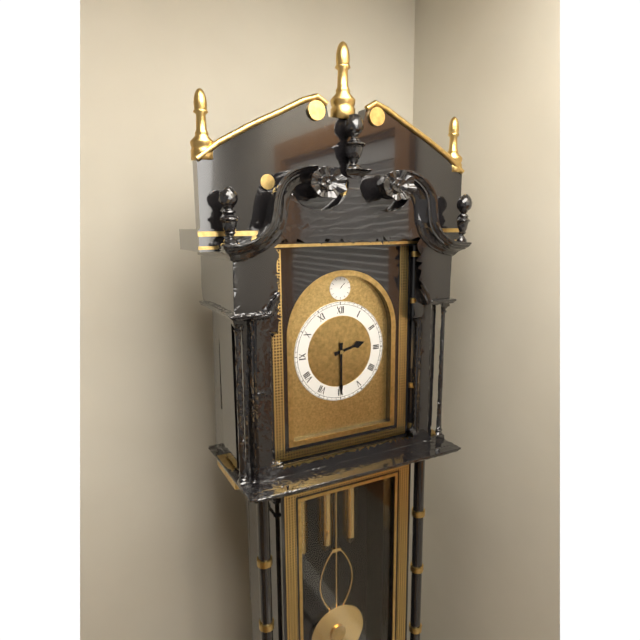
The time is 2h30
